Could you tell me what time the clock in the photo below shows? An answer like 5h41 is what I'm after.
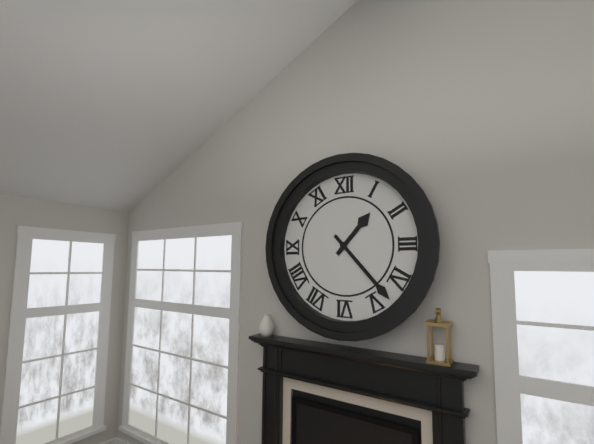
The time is 1h23
